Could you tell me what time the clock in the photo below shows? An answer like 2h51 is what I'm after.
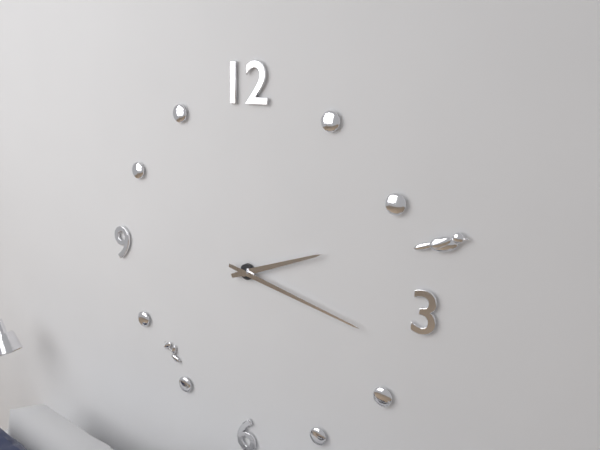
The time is 2h17
